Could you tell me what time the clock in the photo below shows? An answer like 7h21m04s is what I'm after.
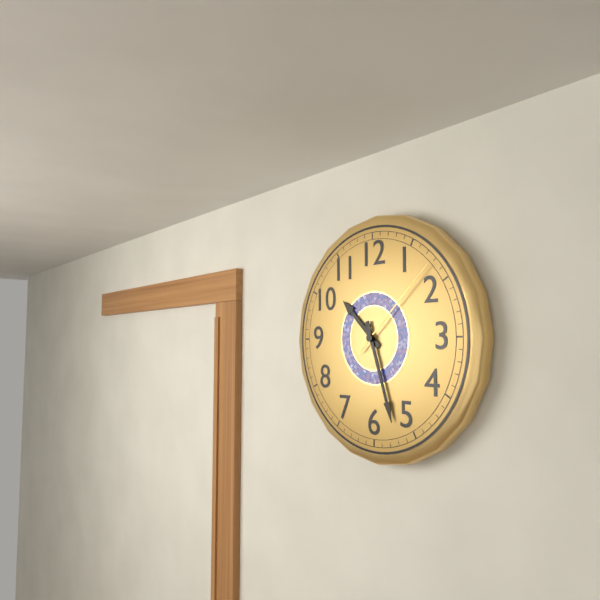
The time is 10h27m08s
